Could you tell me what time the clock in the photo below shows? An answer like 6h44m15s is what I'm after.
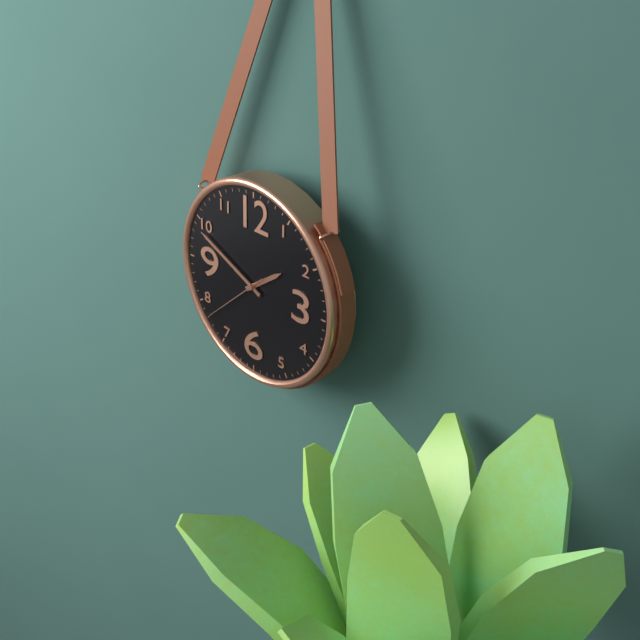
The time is 1h49m38s
